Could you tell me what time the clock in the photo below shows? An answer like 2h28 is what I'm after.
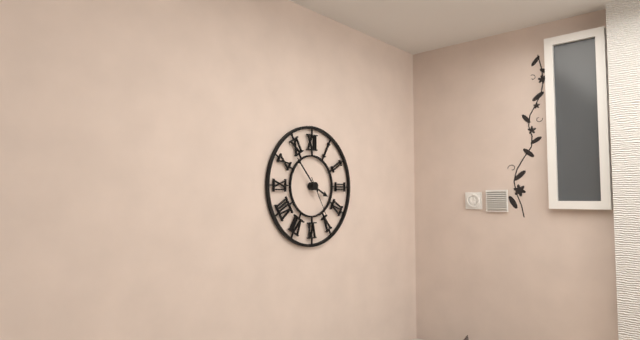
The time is 3h53
